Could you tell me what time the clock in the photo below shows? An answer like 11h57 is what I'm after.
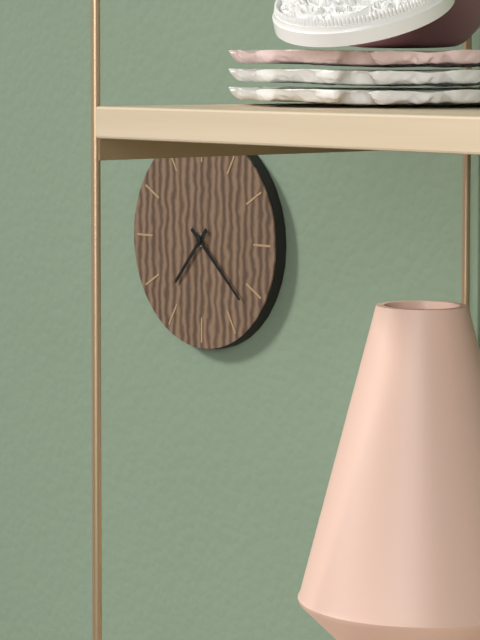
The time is 7h22
